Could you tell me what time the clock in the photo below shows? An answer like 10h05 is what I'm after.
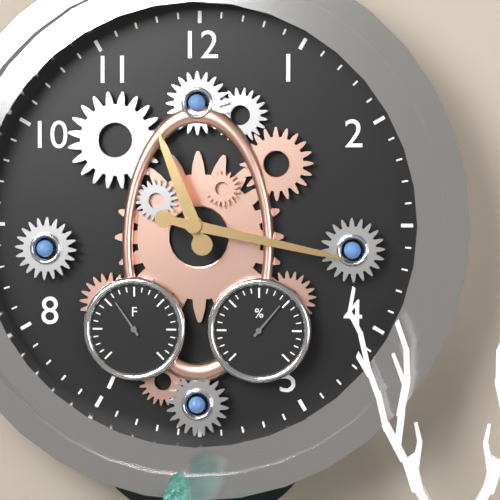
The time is 11h17
